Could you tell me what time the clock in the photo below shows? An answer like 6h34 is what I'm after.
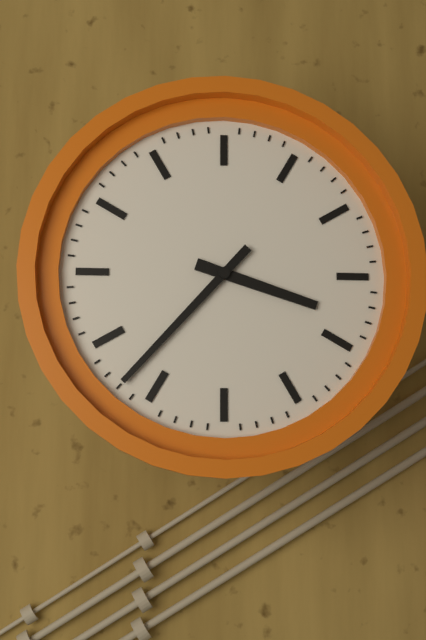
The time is 3h37
